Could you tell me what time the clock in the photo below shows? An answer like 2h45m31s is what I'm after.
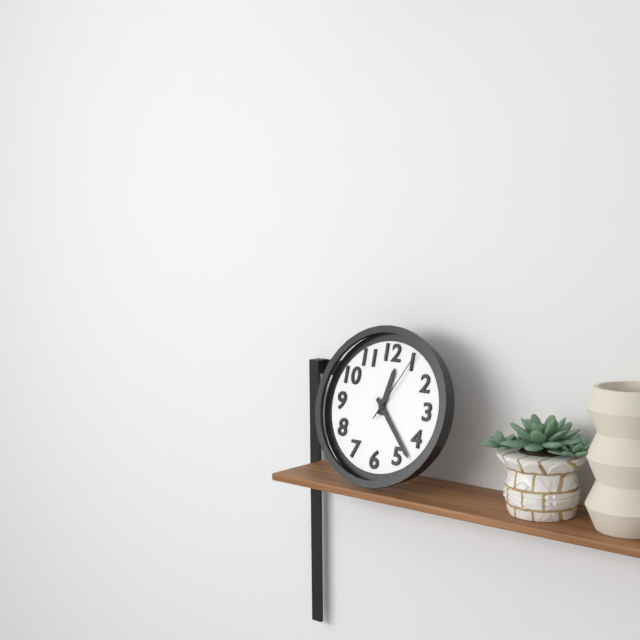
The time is 12h23m05s
